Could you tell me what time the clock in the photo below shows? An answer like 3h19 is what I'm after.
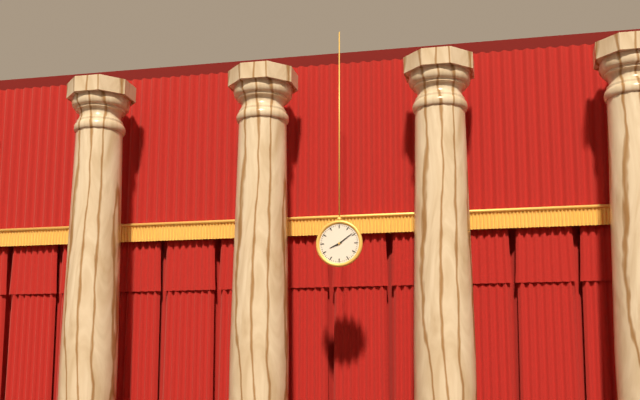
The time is 8h09
